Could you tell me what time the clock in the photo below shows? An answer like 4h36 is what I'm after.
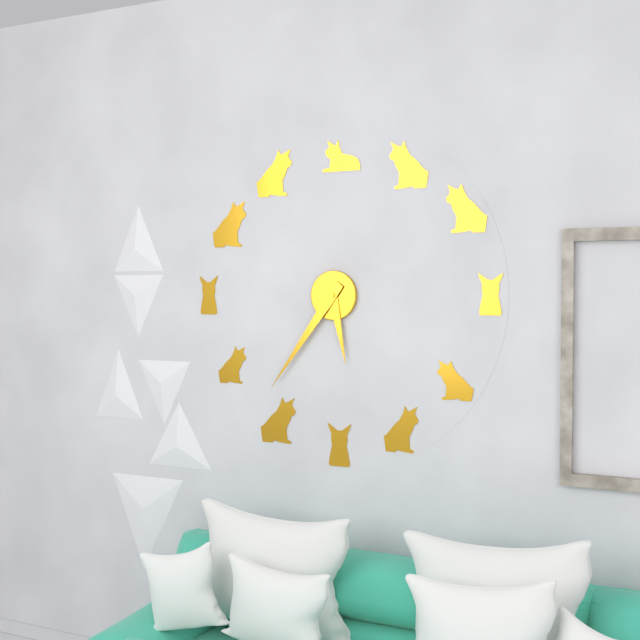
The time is 5h36
